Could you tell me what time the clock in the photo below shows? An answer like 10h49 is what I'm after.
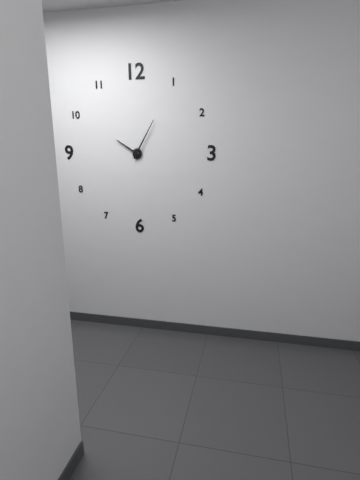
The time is 10h05
